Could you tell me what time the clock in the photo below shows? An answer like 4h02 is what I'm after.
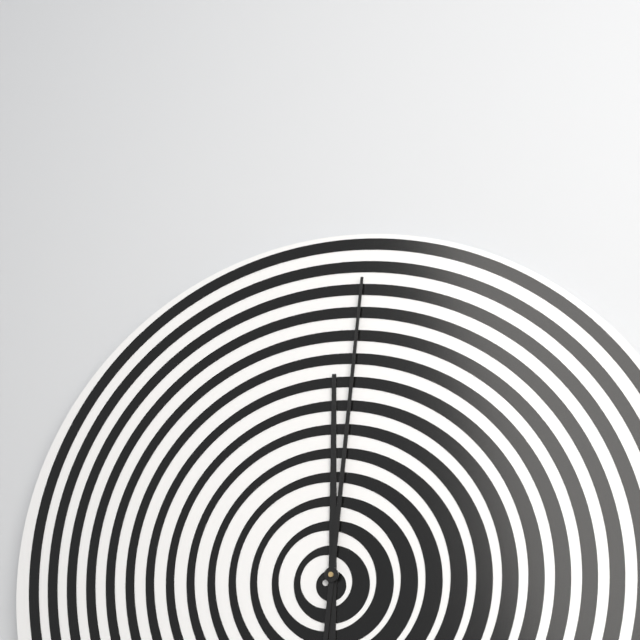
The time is 12h01
